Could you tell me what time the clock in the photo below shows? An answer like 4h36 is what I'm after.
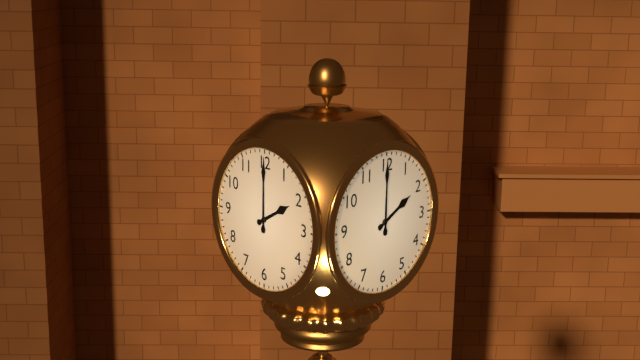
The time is 2h00
